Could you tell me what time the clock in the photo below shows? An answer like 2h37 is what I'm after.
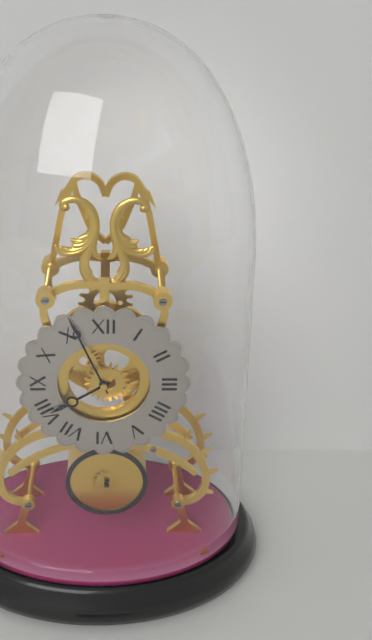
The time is 7h56
